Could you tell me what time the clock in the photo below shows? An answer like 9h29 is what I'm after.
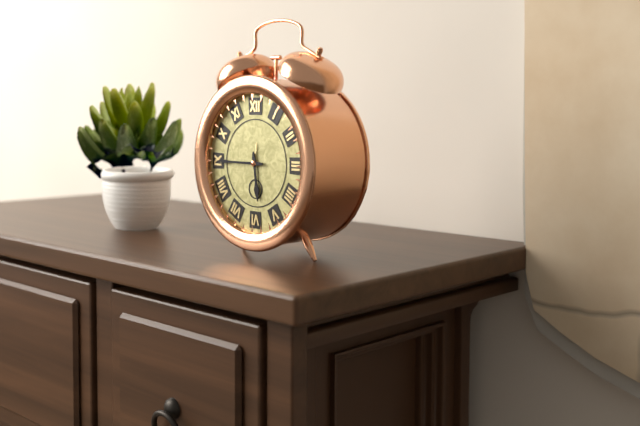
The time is 5h45
